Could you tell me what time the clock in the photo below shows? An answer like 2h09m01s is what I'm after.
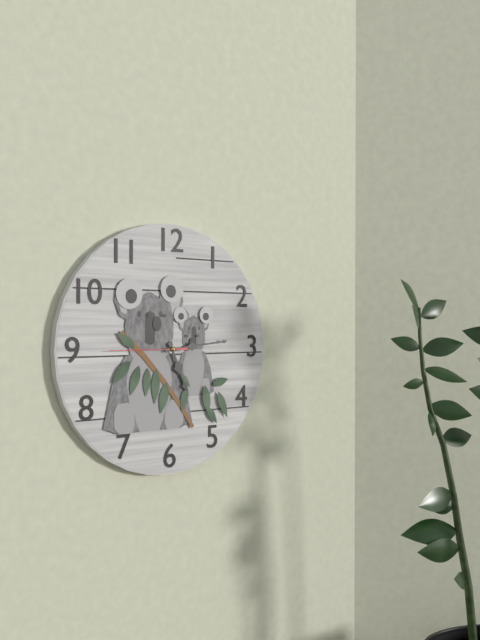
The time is 5h14m45s
